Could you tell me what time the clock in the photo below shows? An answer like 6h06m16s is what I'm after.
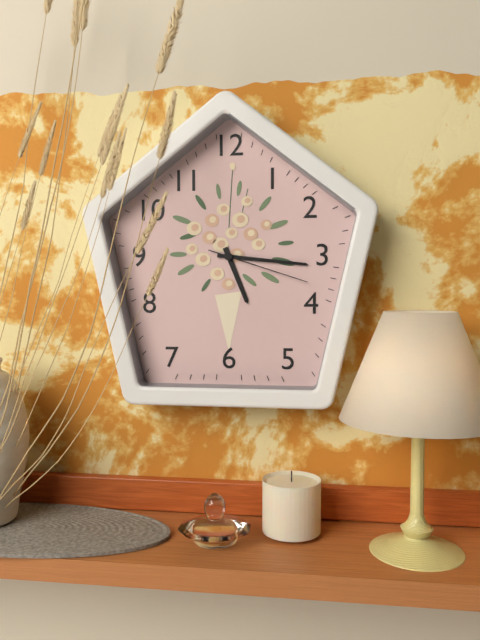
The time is 5h16m18s
